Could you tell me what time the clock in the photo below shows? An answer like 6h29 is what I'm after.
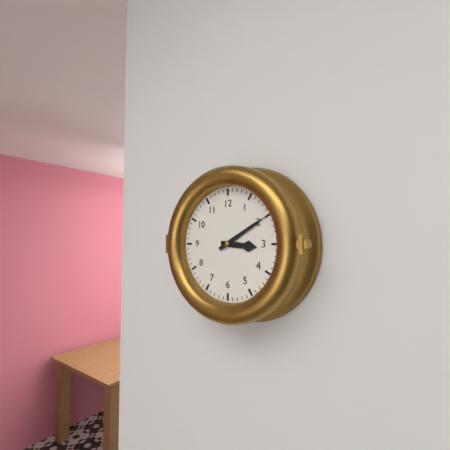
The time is 3h10
